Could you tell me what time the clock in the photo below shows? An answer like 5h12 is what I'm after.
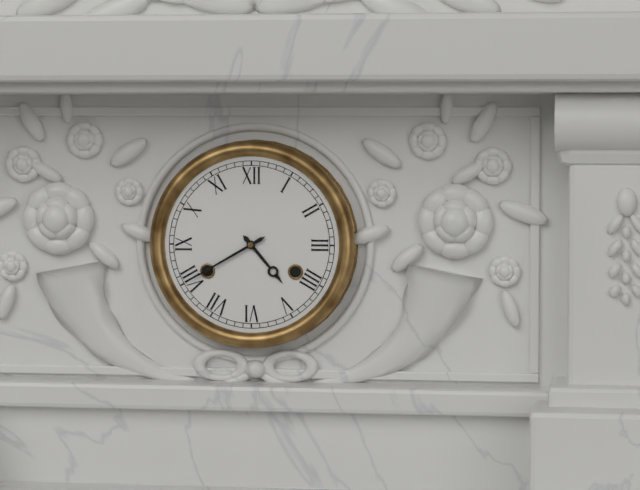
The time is 4h40
